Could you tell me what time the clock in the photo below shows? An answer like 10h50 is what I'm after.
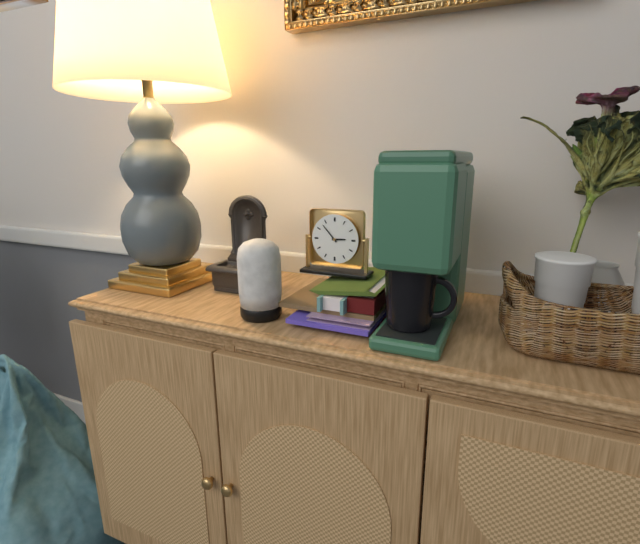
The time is 2h53
